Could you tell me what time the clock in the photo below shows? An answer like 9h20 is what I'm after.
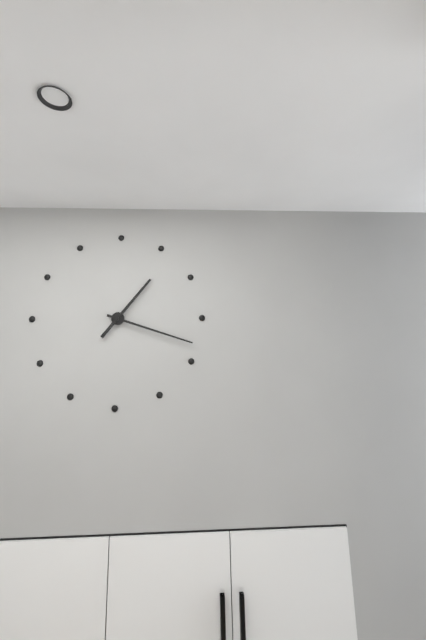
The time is 1h18
